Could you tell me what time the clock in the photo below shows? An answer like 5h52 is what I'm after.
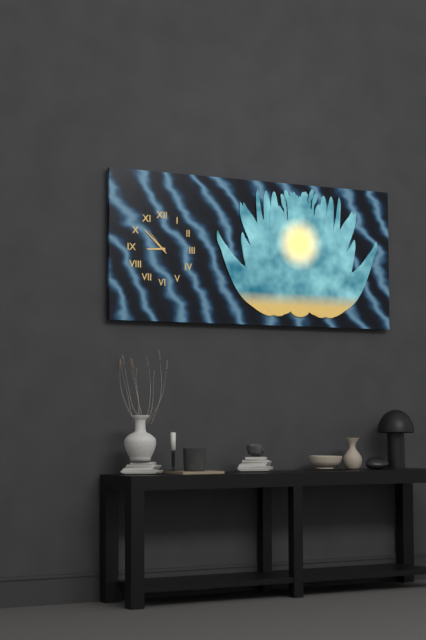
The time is 8h52
